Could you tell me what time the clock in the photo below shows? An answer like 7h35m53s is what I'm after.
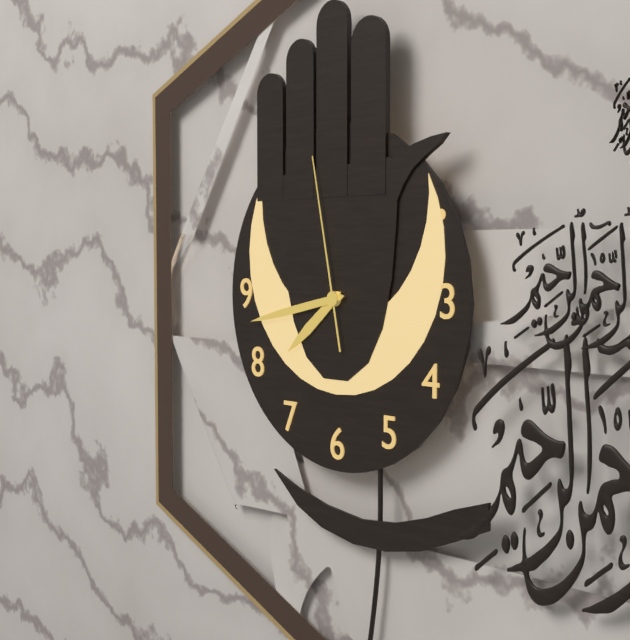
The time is 7h43m58s
